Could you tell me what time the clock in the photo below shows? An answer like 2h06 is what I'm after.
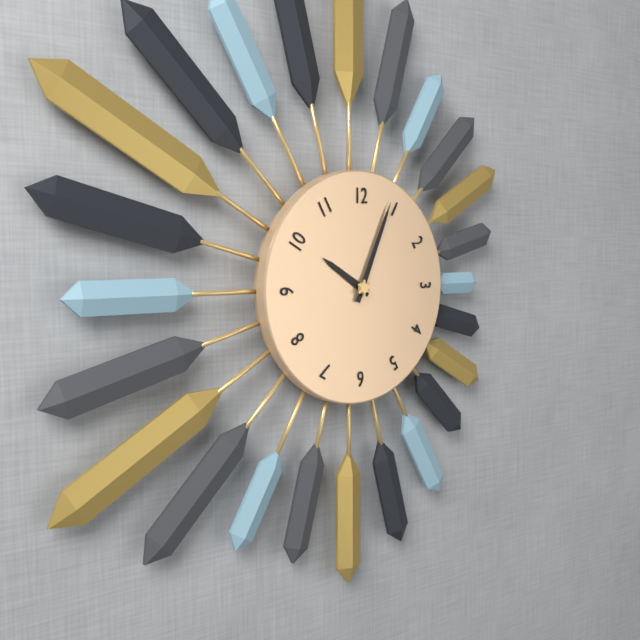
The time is 10h04
